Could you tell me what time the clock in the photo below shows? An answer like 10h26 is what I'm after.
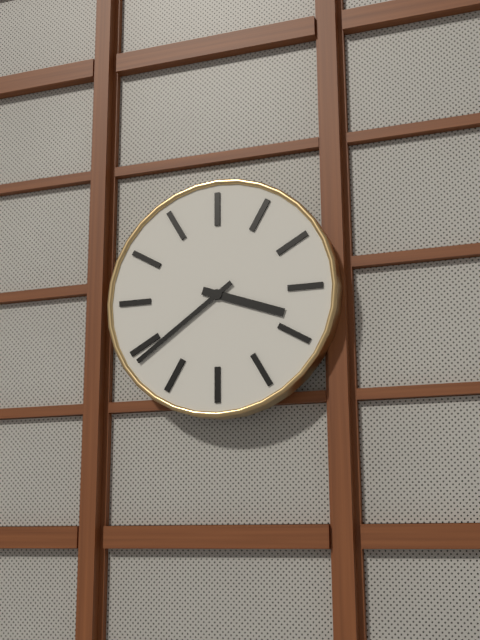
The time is 3h39
